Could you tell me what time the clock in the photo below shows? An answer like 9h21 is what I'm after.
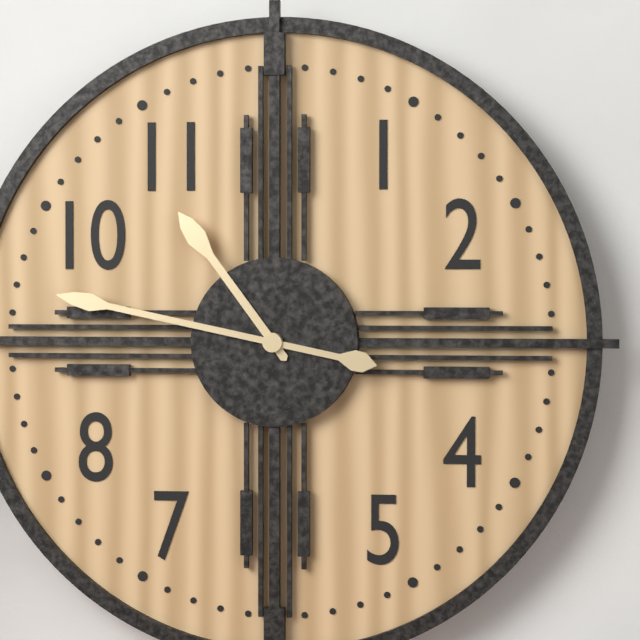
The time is 10h47
